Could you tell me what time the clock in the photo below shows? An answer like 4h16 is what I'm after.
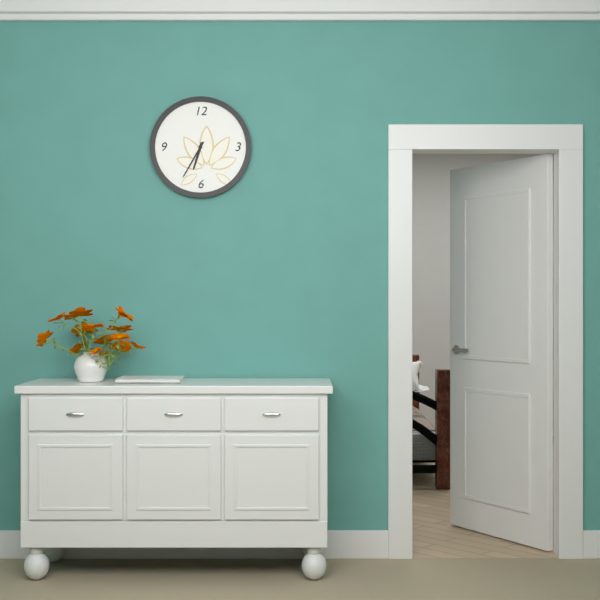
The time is 6h35
